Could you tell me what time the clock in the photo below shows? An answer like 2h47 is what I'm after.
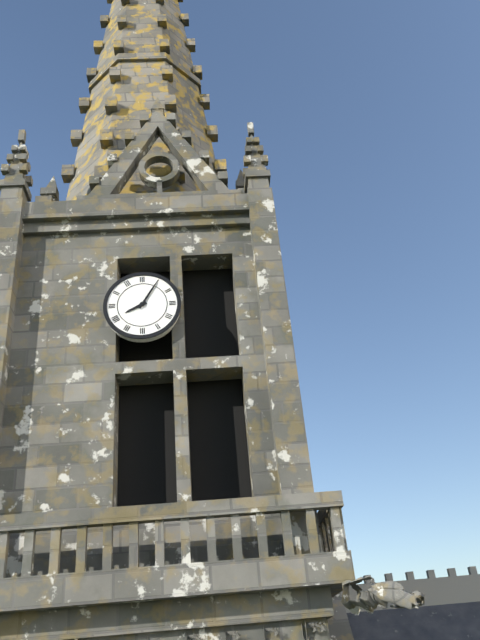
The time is 8h05
